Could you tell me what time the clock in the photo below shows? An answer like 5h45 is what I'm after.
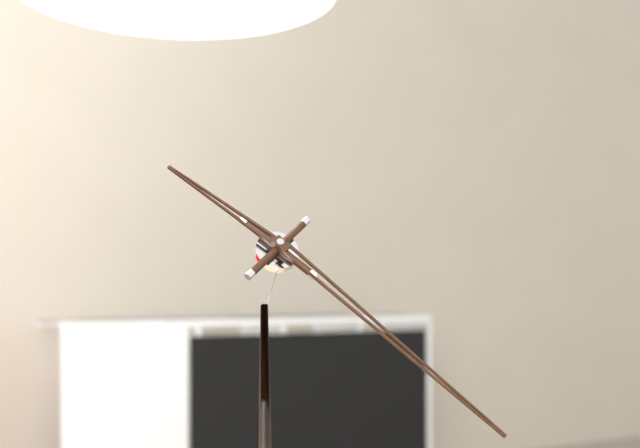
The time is 10h23
